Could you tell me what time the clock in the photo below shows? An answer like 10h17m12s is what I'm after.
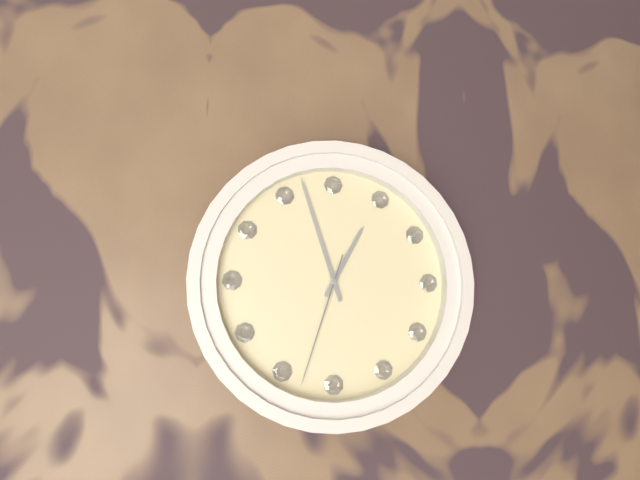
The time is 12h57m33s
